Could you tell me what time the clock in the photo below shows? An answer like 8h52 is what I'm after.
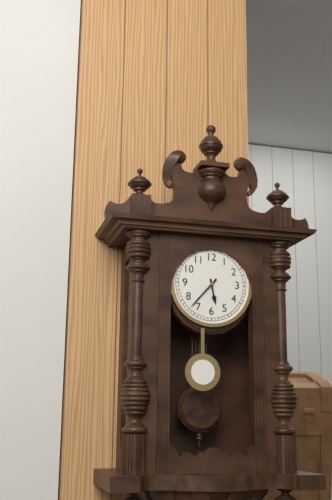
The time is 5h37
